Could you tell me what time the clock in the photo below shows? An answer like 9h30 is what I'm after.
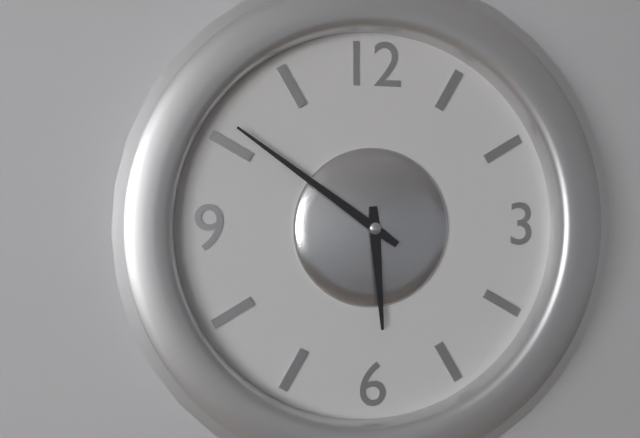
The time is 5h51
